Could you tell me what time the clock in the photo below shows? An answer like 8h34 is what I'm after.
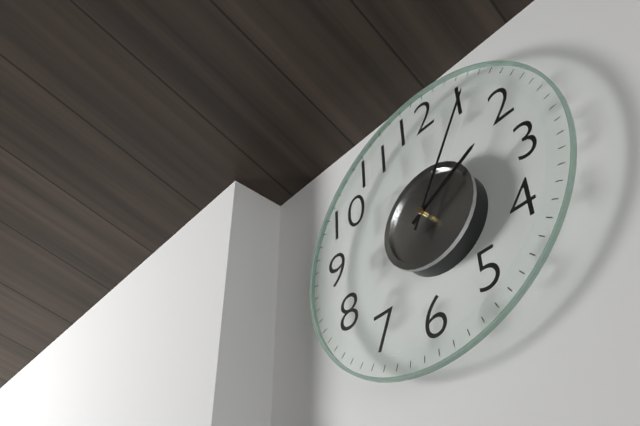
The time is 2h05
